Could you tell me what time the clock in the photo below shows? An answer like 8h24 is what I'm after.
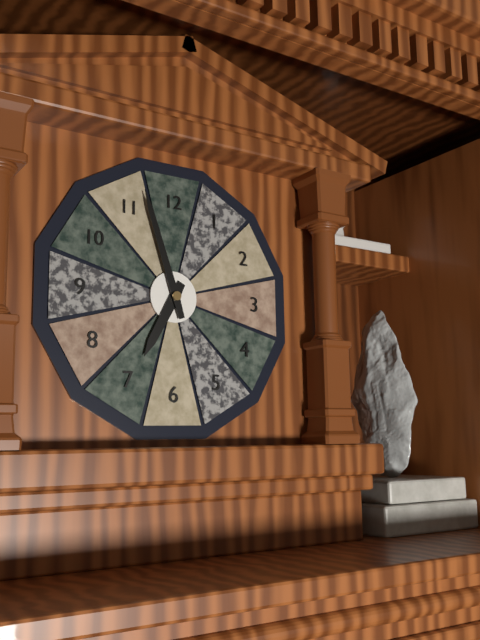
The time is 6h57
